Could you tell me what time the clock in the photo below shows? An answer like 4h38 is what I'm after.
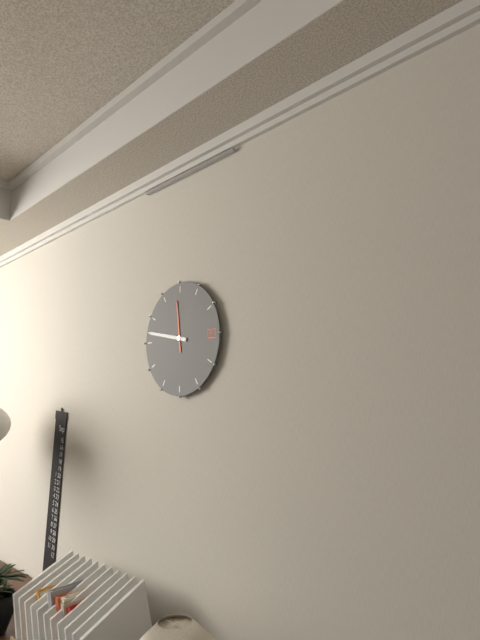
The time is 11h47
